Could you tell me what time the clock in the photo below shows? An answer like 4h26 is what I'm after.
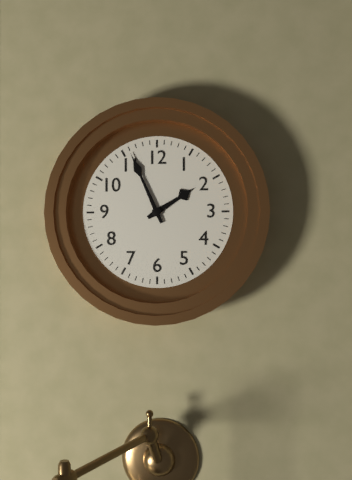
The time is 1h56
